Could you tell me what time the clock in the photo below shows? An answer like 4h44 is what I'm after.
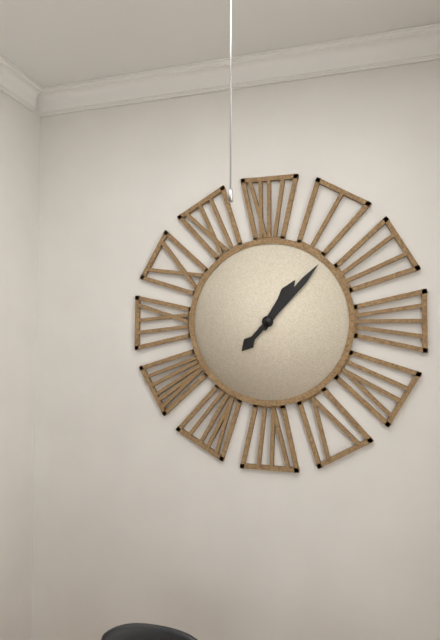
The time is 1h07
